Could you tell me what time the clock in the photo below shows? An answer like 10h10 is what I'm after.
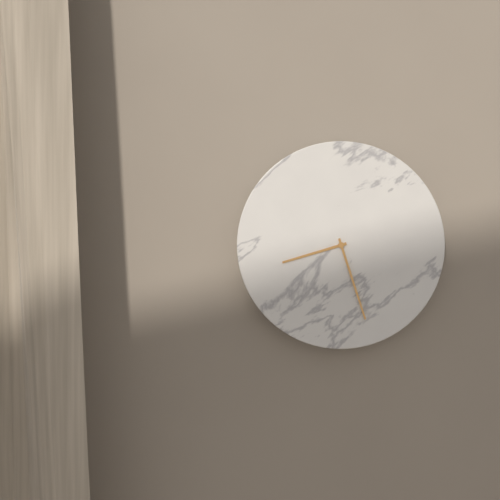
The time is 8h27
